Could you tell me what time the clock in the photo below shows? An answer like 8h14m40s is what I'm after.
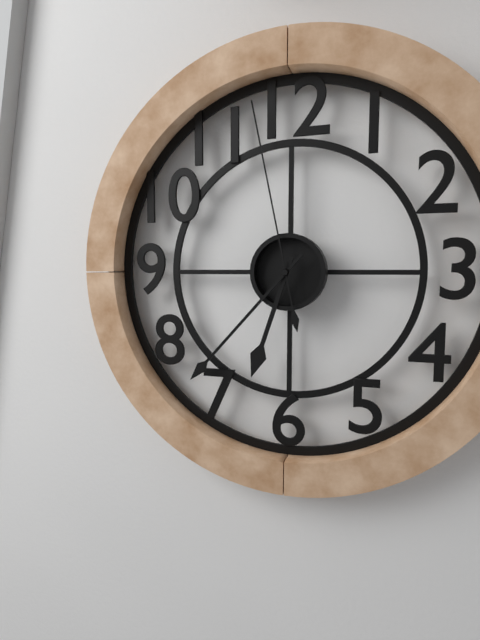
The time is 6h37m58s
